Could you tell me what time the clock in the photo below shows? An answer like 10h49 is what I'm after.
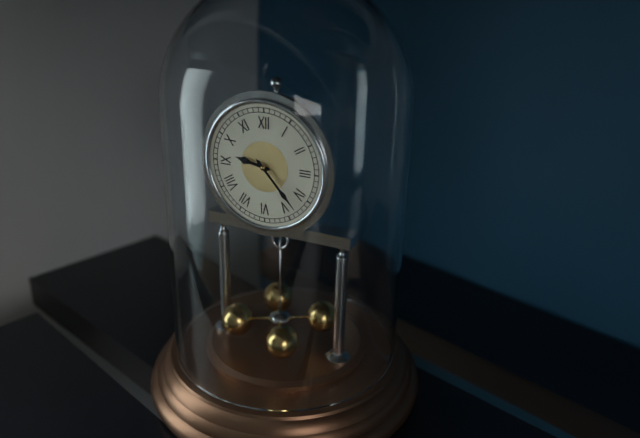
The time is 9h23
